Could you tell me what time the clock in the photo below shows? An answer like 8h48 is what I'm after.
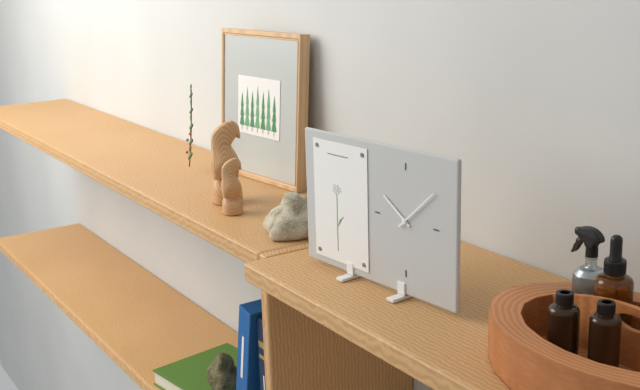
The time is 10h08
